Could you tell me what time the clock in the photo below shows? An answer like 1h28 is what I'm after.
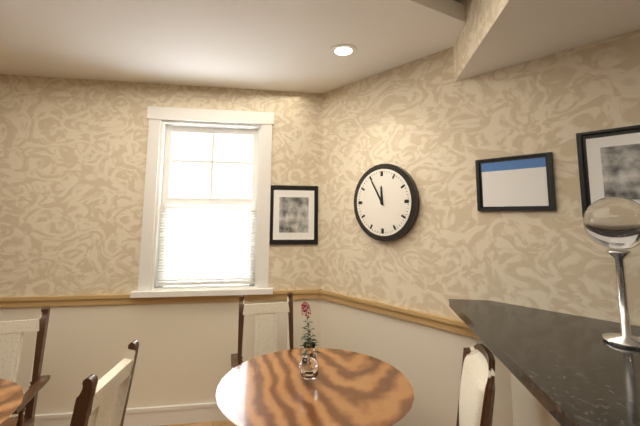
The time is 11h55
